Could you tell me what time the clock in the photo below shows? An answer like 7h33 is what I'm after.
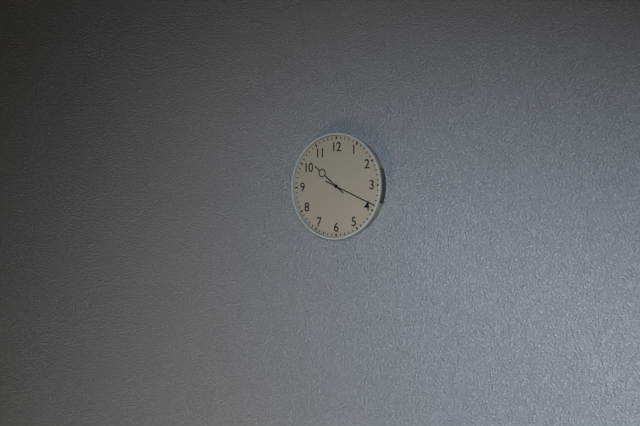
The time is 10h19
